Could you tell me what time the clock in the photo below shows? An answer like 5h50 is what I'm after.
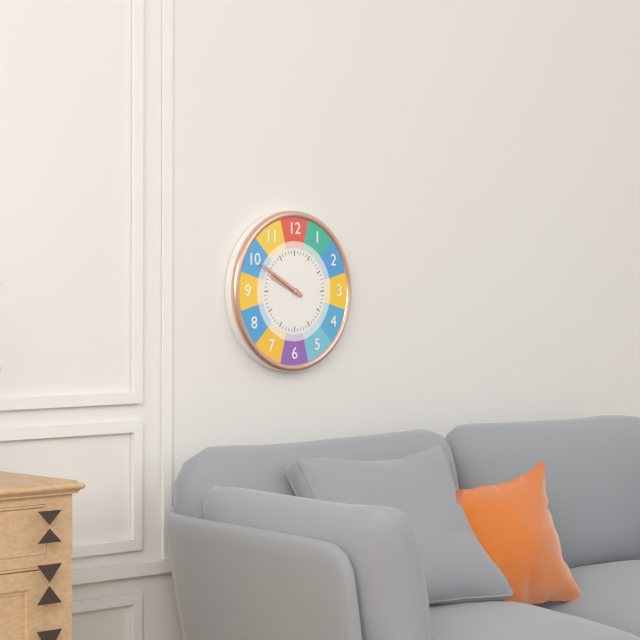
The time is 9h50
